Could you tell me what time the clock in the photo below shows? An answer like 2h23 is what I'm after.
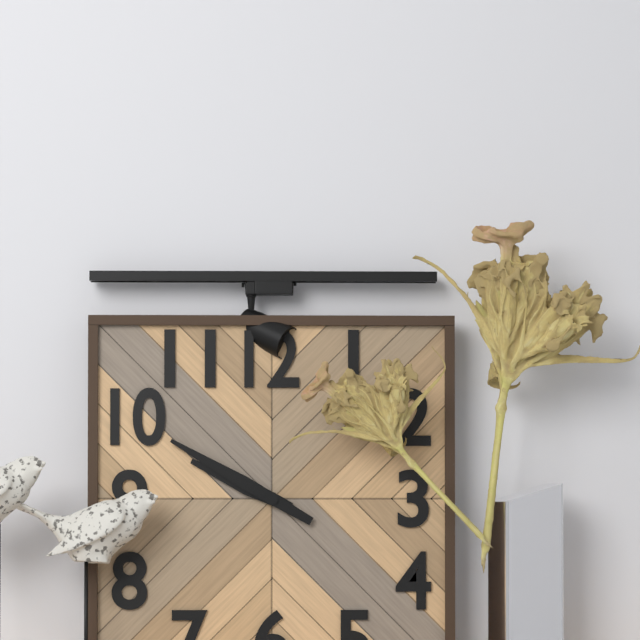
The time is 9h50
